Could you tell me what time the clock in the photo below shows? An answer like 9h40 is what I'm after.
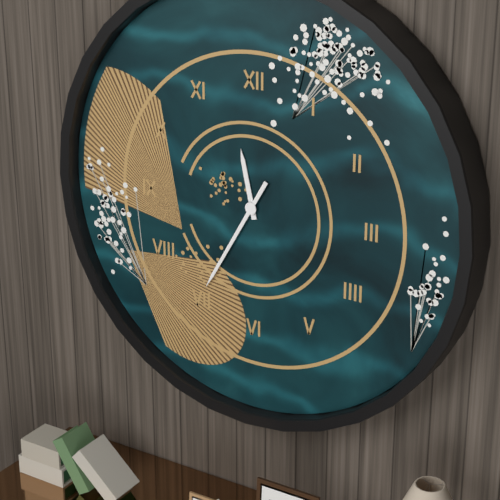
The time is 11h35
